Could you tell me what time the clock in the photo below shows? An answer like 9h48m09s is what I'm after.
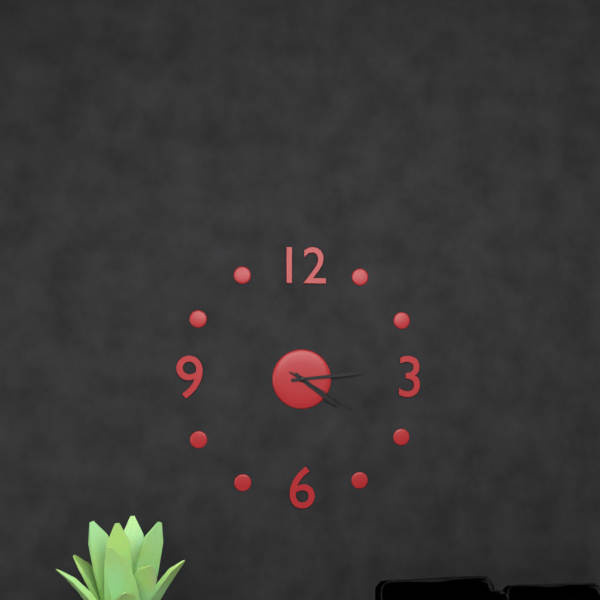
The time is 4h14m20s
